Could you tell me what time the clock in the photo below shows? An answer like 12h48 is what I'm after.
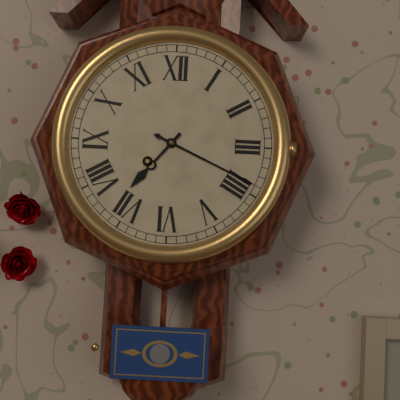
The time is 7h19
